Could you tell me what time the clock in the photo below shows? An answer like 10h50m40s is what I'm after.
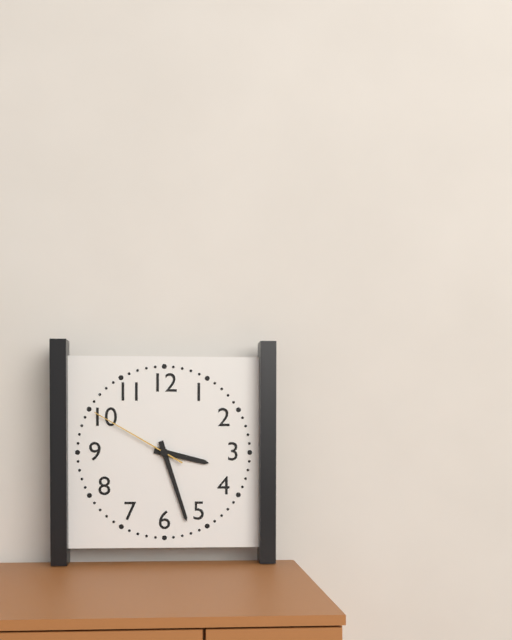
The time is 3h27m50s
